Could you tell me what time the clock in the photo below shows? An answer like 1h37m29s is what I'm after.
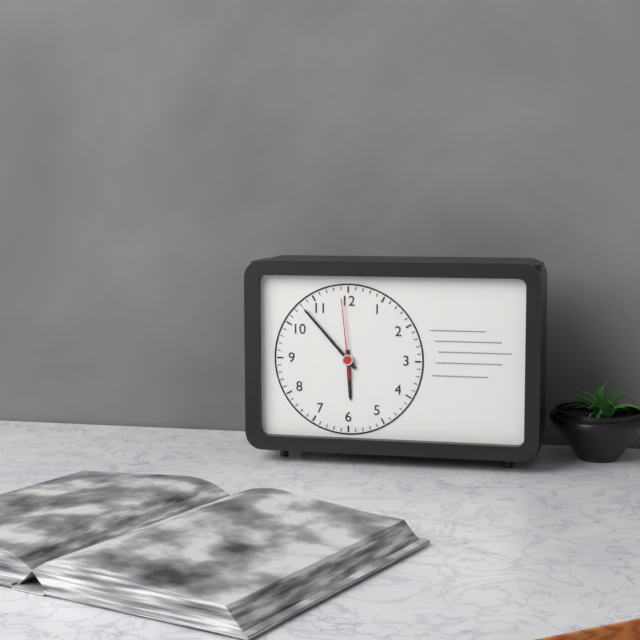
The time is 5h53m59s
